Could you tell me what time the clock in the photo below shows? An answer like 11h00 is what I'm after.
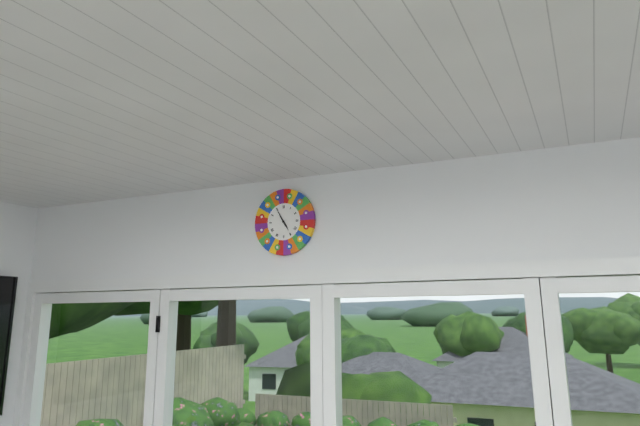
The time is 4h55
